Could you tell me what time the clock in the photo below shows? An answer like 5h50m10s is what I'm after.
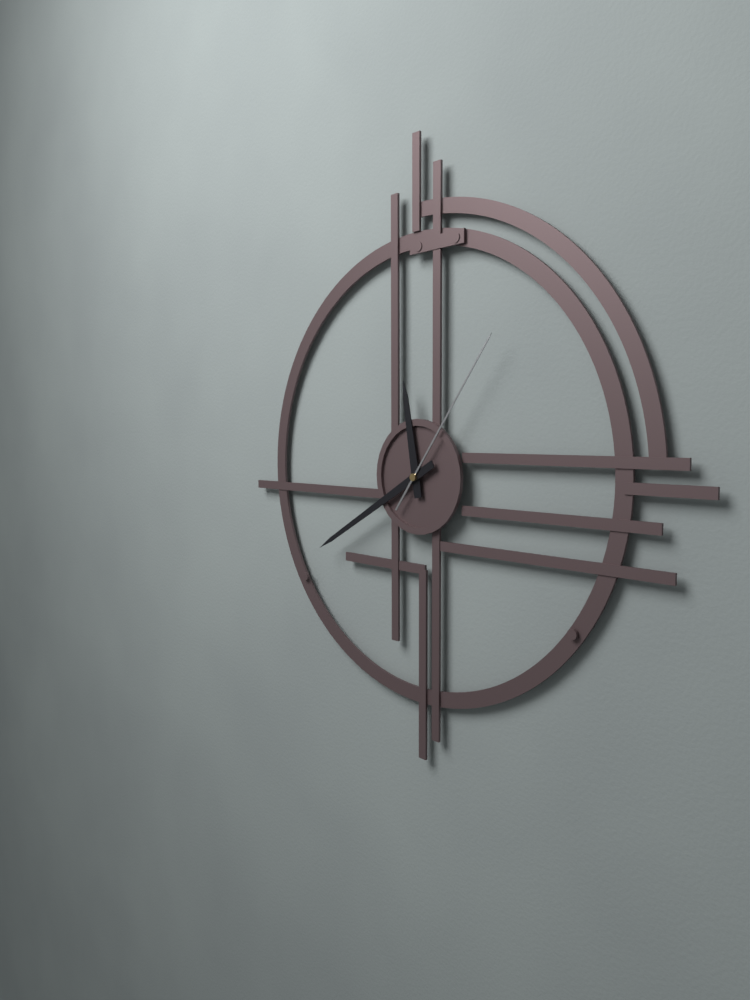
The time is 11h40m06s
